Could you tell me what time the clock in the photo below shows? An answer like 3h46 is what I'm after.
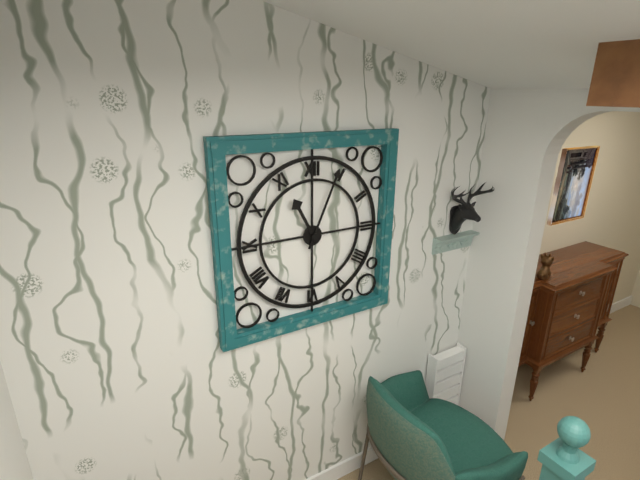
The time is 11h04
